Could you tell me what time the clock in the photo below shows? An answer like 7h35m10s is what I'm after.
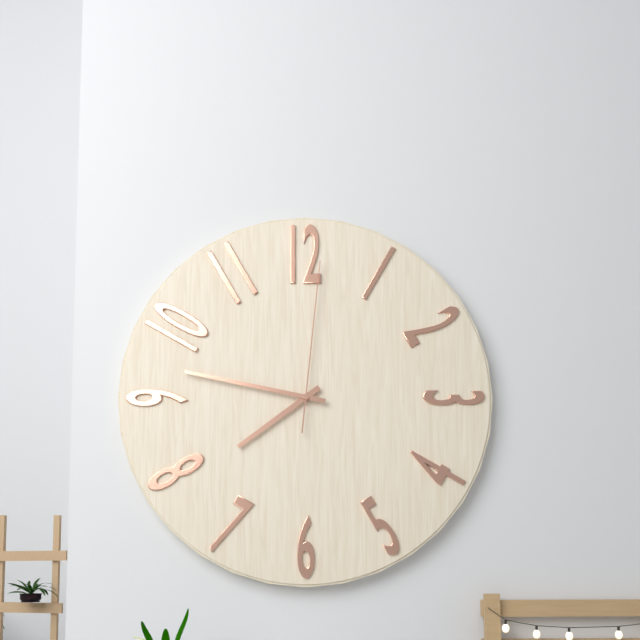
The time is 7h47m01s
